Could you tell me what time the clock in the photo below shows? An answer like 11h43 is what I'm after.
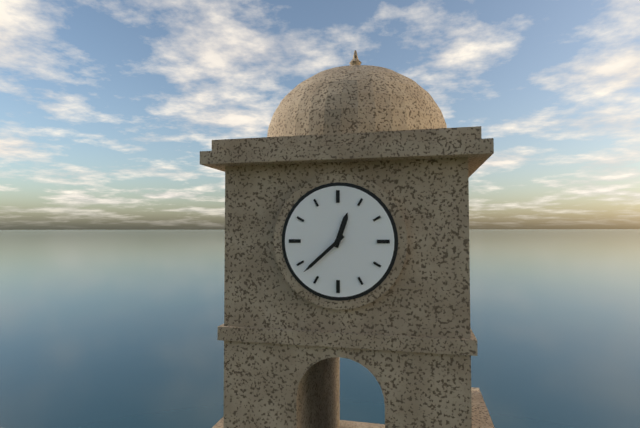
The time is 12h38
